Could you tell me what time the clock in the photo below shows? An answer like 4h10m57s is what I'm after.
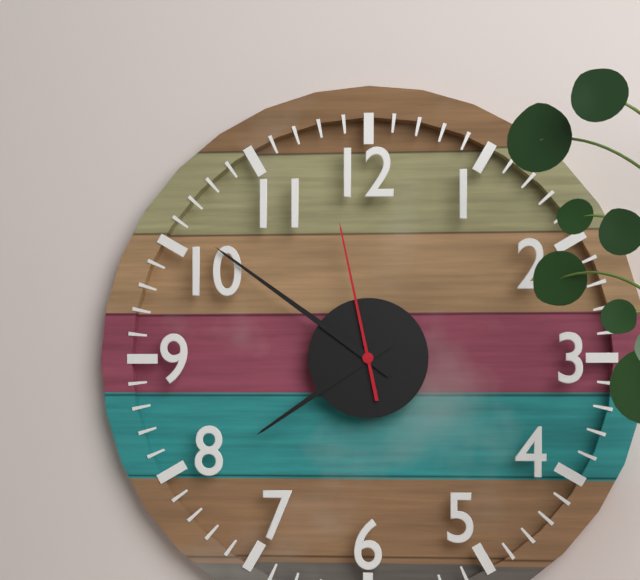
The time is 7h51m58s
